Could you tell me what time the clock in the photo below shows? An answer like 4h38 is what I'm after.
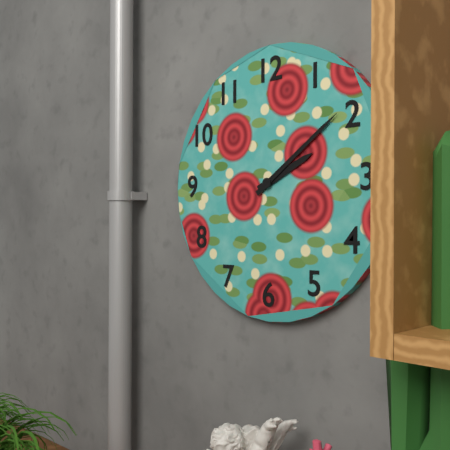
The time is 2h09
